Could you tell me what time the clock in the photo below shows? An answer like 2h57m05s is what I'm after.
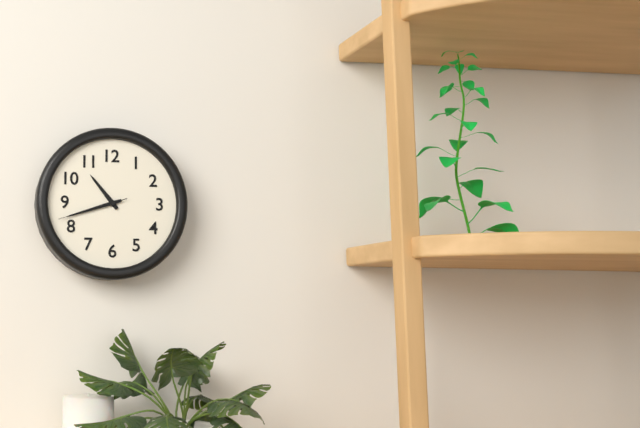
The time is 10h42m42s
